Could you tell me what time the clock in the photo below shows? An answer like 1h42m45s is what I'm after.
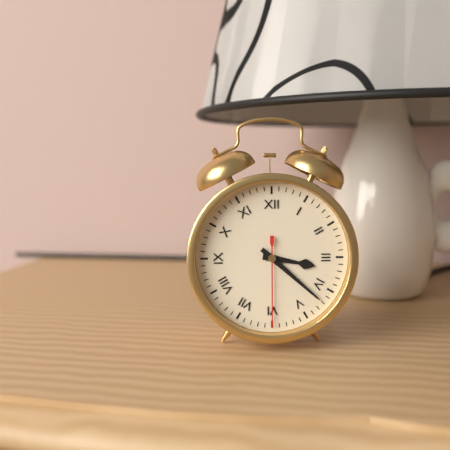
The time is 3h22m30s
